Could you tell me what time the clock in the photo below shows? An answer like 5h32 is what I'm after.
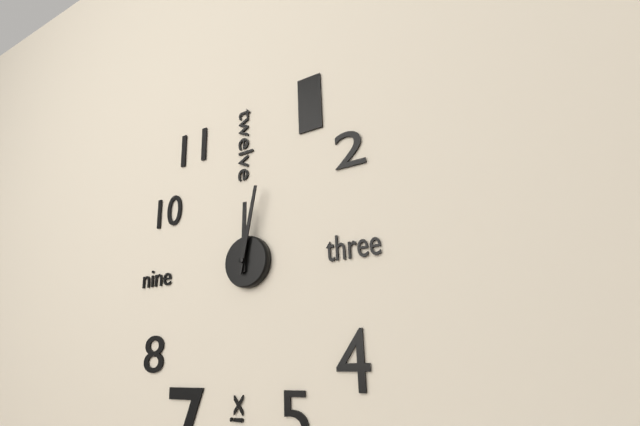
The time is 12h02
